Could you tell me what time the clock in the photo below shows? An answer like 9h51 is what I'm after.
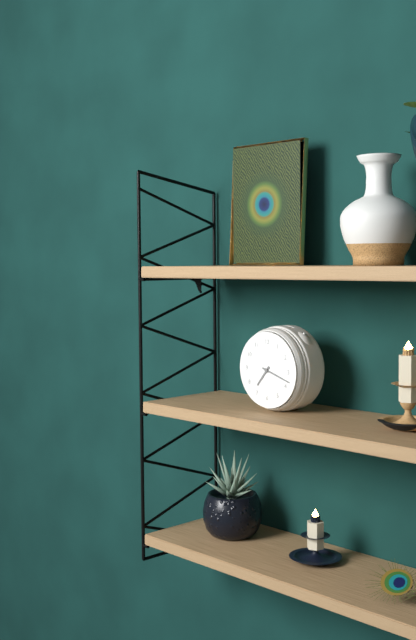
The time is 7h18
